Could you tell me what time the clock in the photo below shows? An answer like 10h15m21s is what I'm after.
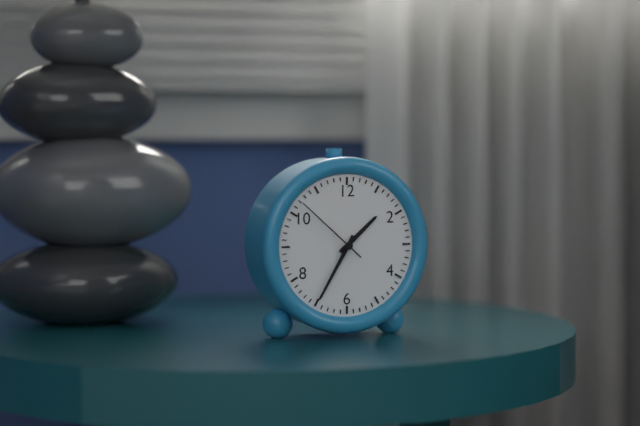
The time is 1h35m52s
